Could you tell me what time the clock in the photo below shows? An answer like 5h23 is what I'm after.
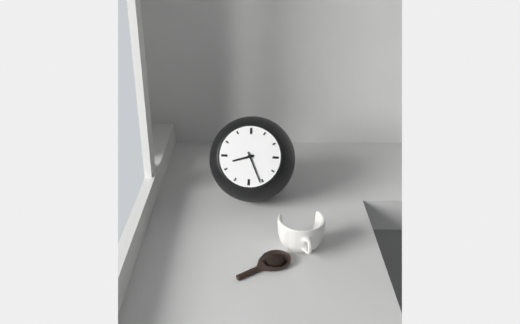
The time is 8h26
